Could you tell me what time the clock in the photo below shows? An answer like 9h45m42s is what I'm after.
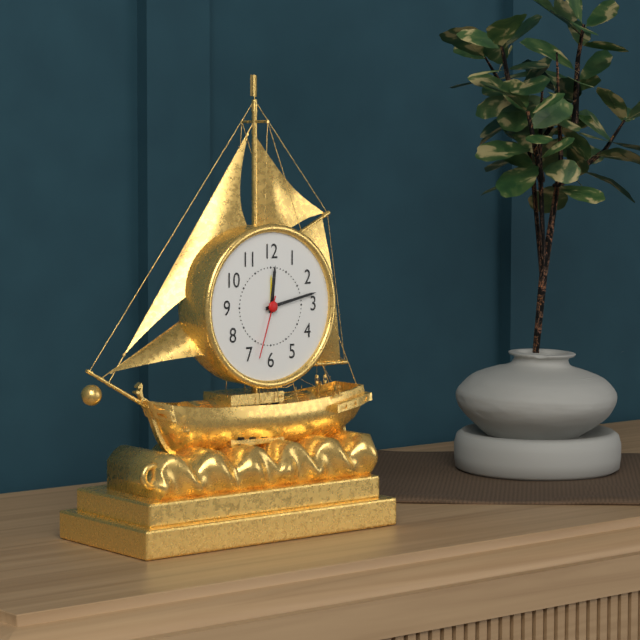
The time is 12h13m33s
